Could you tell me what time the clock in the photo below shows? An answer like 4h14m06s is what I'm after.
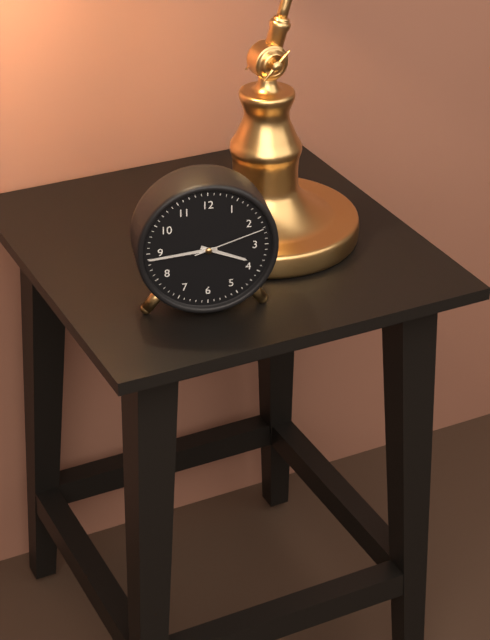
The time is 3h44m12s
